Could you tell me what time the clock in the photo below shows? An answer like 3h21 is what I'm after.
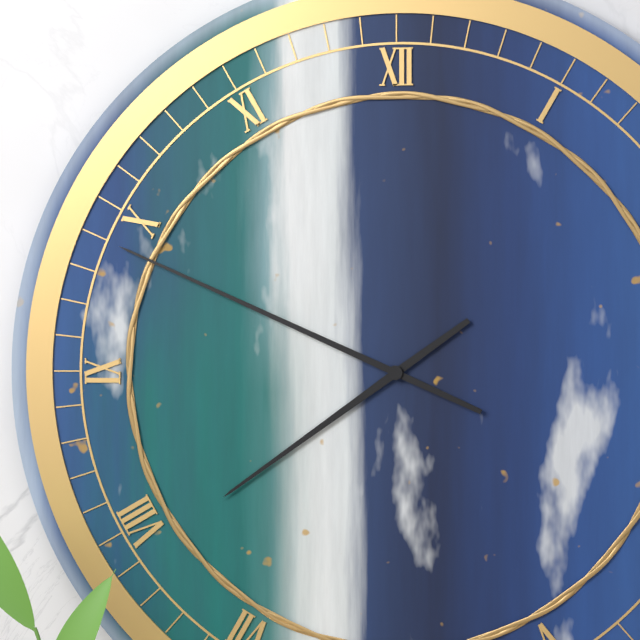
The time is 7h49
